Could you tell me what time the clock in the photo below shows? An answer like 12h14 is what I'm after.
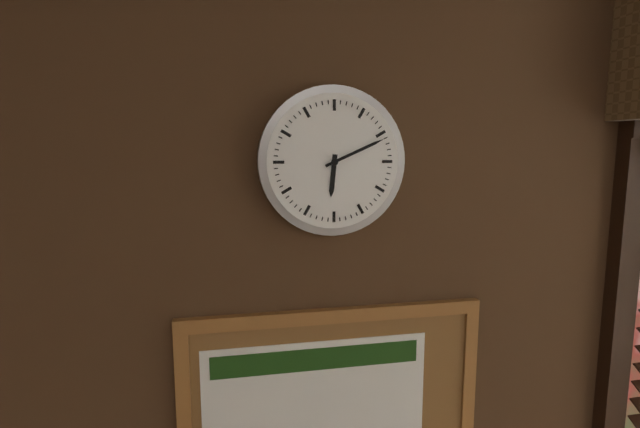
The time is 6h11
